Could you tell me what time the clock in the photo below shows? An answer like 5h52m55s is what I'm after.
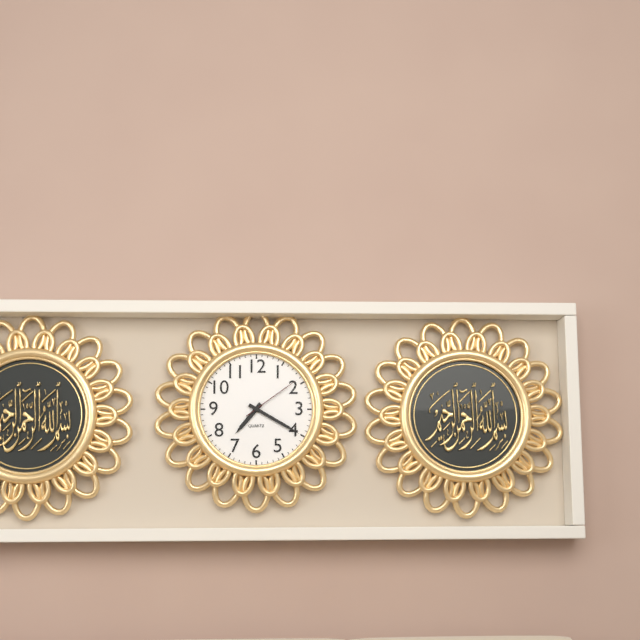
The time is 7h20m09s
